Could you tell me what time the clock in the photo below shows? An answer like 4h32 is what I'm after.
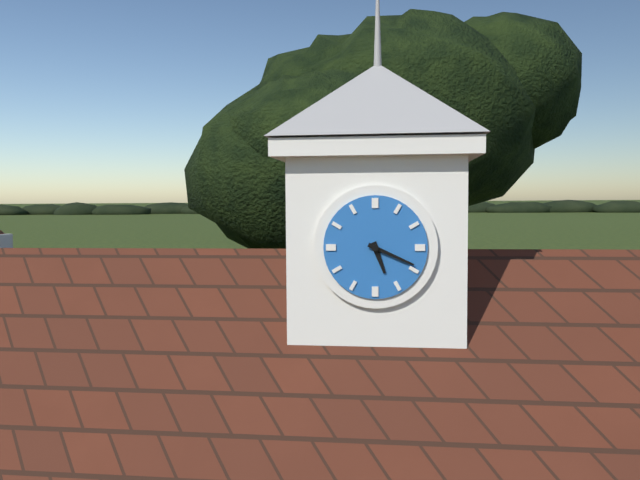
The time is 5h19
